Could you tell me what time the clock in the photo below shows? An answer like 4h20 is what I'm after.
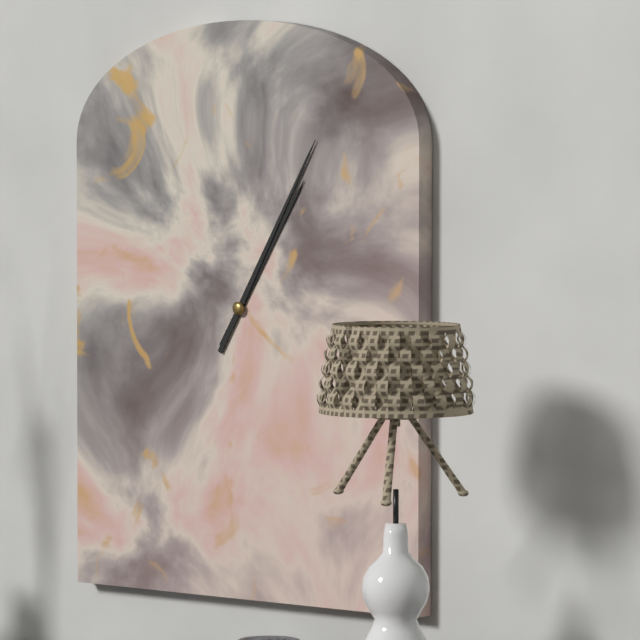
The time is 1h05
